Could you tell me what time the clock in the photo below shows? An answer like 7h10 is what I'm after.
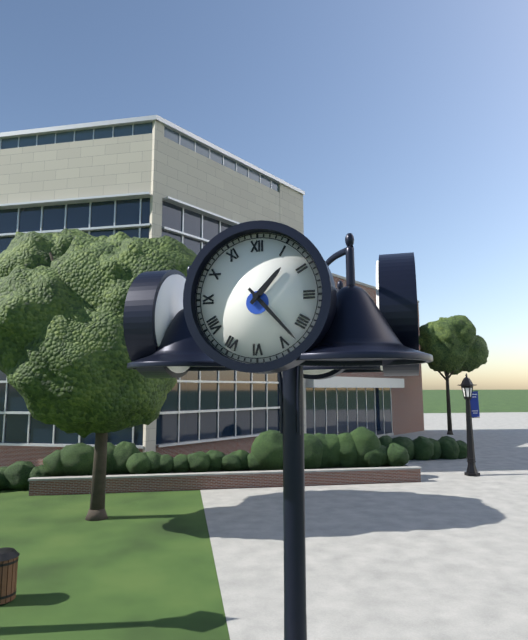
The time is 1h23
